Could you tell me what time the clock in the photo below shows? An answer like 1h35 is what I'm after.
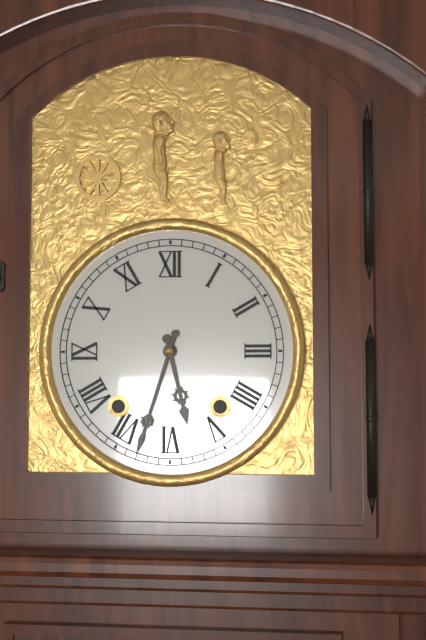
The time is 5h33
